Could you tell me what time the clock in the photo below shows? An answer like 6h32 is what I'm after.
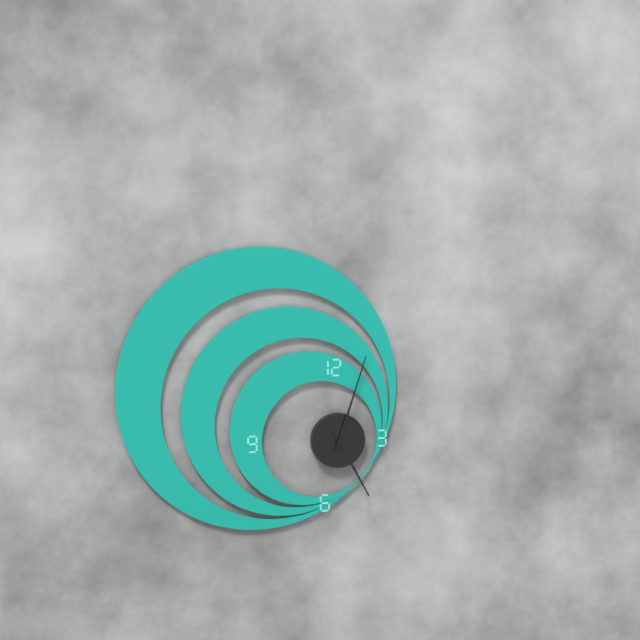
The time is 5h03
